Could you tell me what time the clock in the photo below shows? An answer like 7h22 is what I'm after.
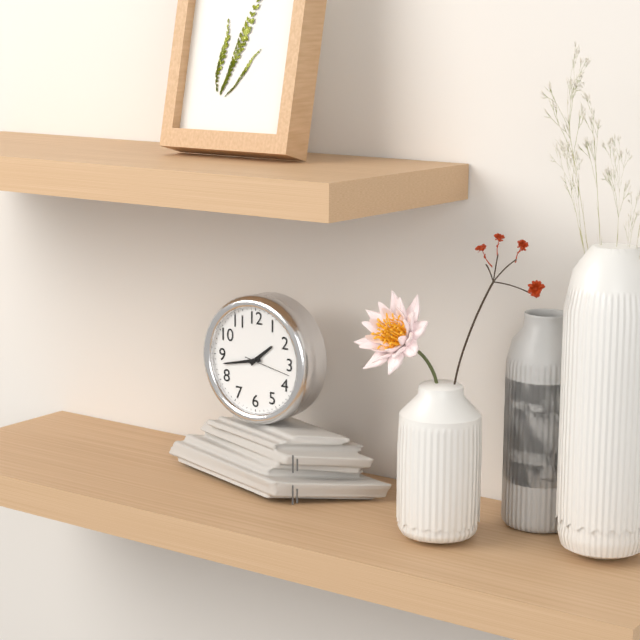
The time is 1h43
